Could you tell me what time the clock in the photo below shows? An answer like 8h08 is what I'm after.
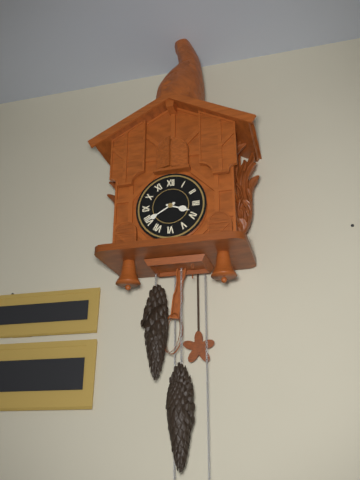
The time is 3h40
